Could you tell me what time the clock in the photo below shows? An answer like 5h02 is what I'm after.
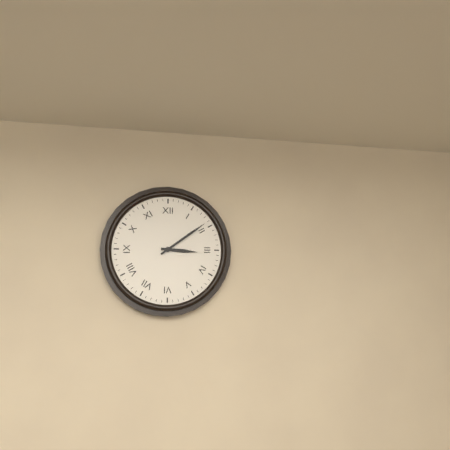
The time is 3h09
